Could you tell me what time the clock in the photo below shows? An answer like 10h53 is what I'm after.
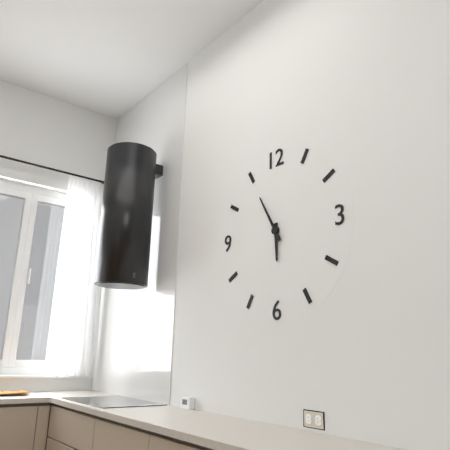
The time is 5h55
